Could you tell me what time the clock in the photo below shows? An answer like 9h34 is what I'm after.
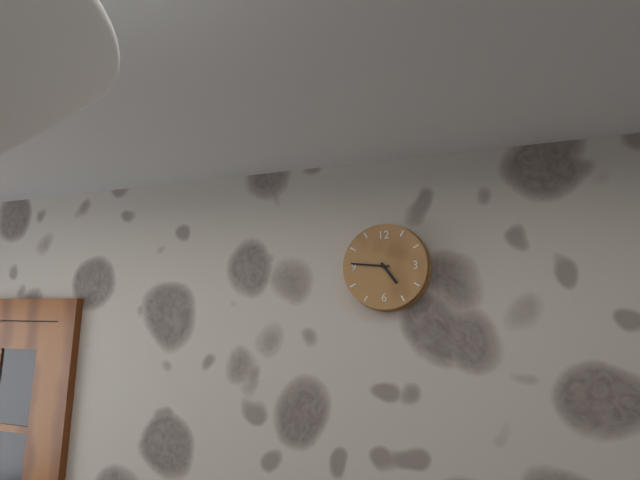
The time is 4h46
